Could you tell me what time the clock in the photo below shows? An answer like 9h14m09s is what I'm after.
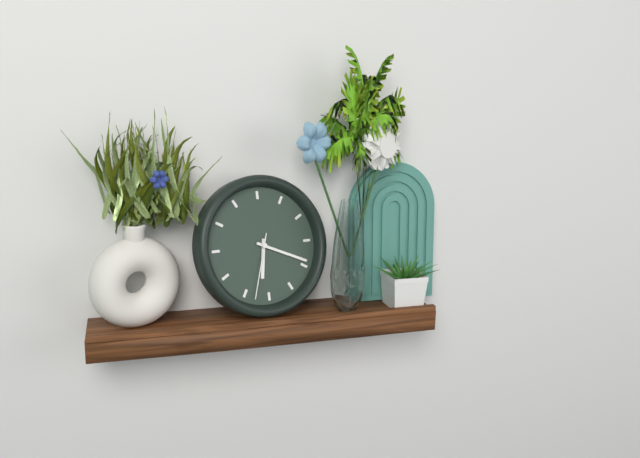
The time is 6h19m33s
